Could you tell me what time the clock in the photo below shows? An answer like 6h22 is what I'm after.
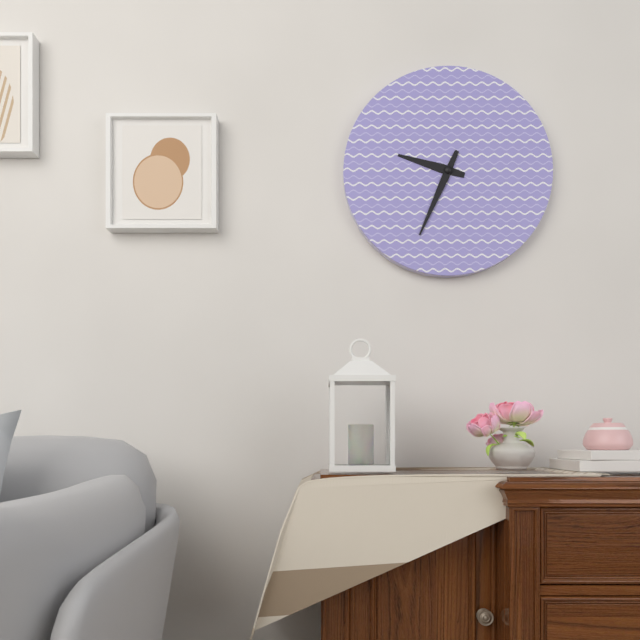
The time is 9h34
